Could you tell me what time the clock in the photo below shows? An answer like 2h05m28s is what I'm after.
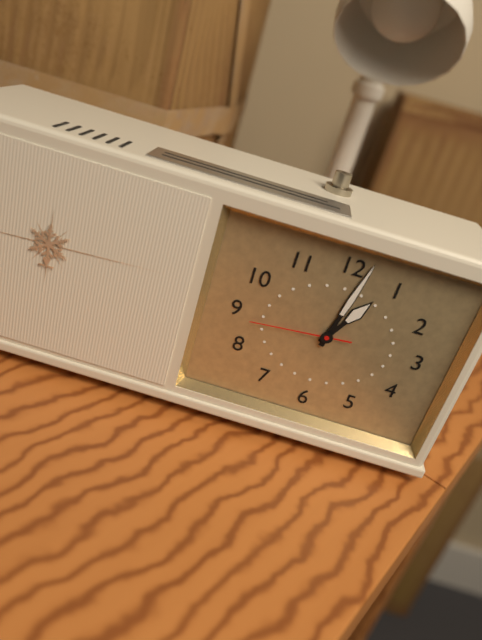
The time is 1h02m44s
